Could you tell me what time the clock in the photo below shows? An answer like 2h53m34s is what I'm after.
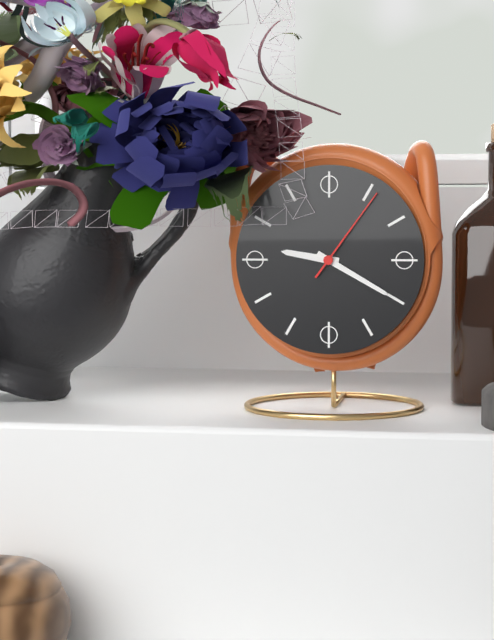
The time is 9h20m06s
